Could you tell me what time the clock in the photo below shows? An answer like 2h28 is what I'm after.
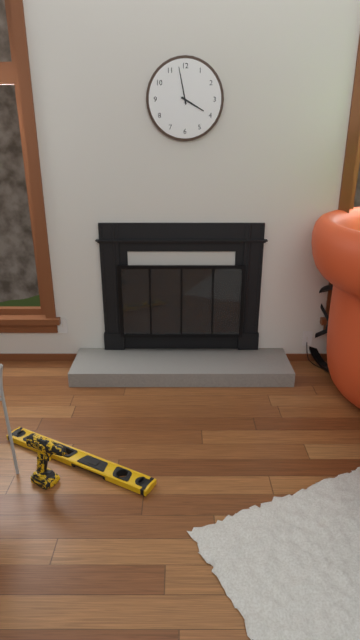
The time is 3h58
